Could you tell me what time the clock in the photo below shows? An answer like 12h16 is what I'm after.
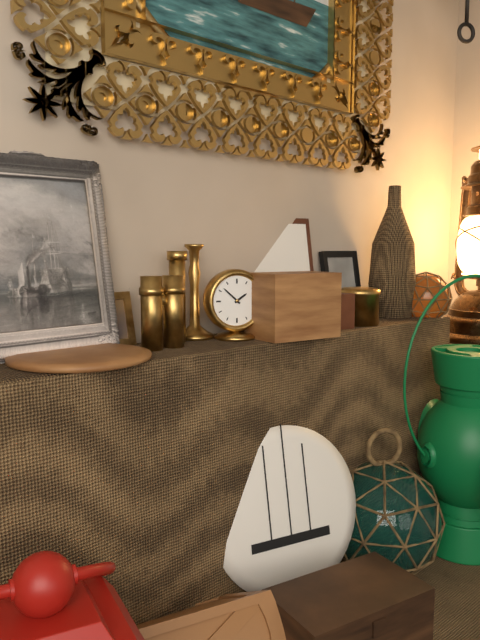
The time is 1h52
